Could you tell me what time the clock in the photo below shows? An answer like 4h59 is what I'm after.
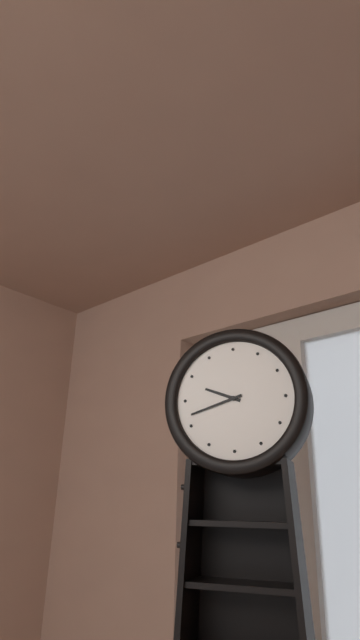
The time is 9h42
